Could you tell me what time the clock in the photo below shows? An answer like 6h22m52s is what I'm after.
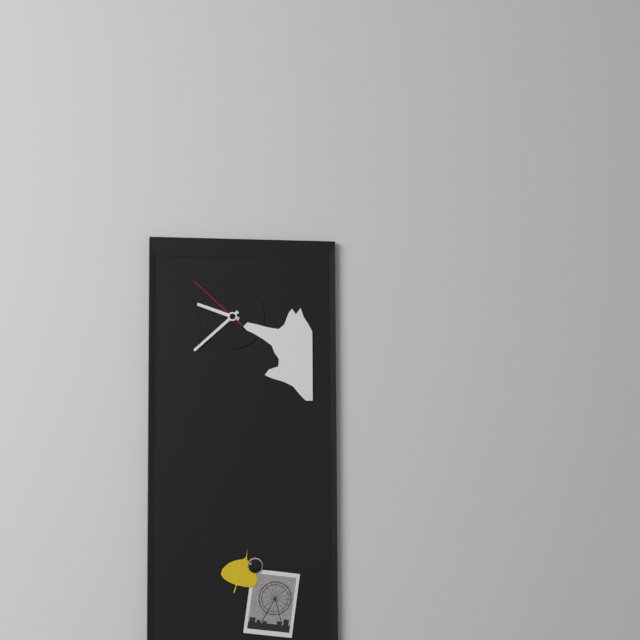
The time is 9h38m52s
